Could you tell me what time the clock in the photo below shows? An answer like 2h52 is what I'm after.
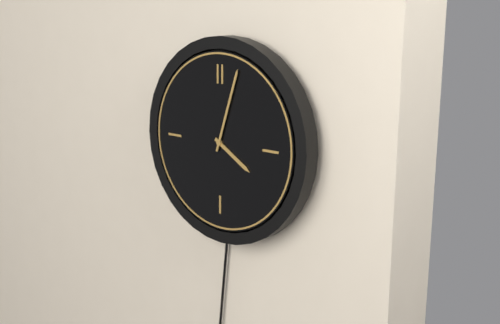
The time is 4h03
